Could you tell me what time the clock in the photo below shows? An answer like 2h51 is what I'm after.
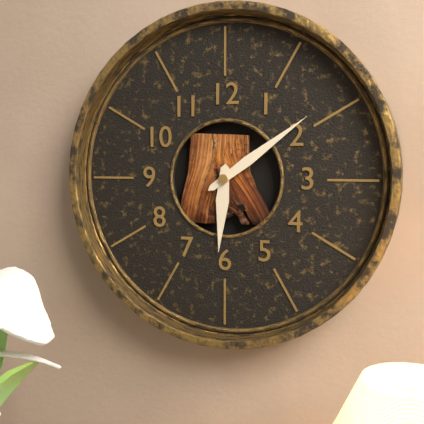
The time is 6h09
